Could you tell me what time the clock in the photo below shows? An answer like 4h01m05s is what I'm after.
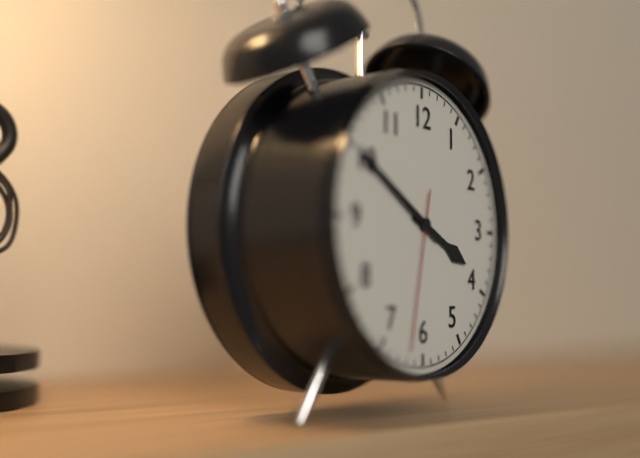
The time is 3h50m32s
